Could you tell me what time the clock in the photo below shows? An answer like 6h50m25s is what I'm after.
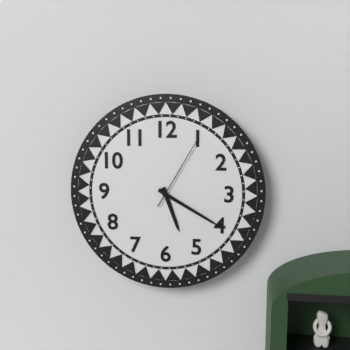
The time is 5h20m05s
